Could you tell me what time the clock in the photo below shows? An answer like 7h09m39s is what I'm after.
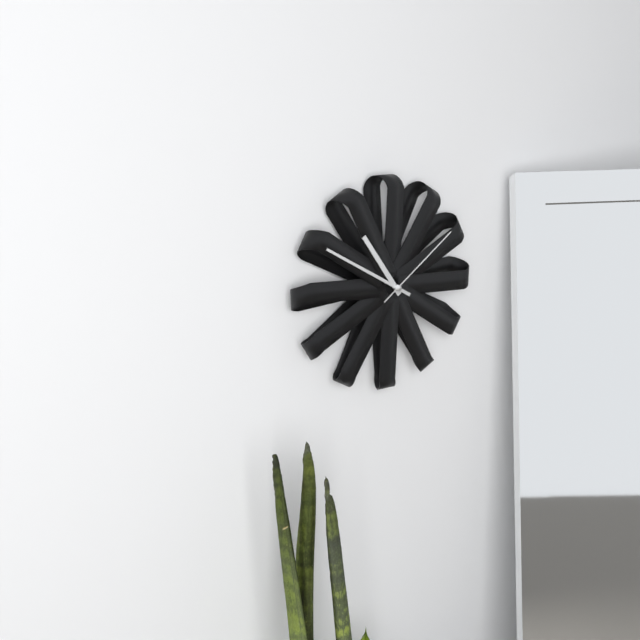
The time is 10h50m09s
